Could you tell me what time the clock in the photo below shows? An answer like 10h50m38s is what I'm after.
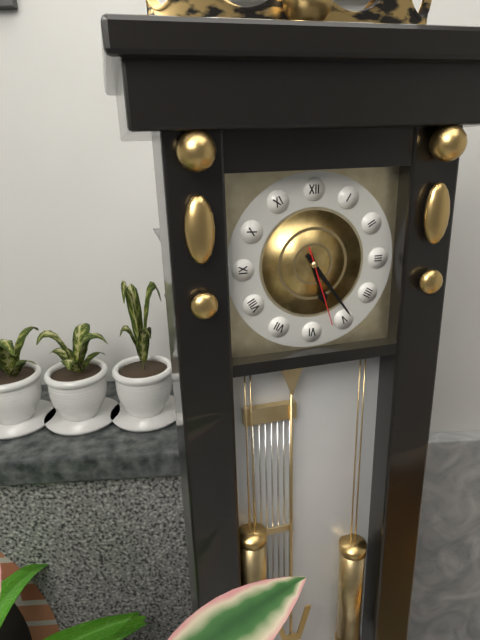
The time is 5h24m27s
